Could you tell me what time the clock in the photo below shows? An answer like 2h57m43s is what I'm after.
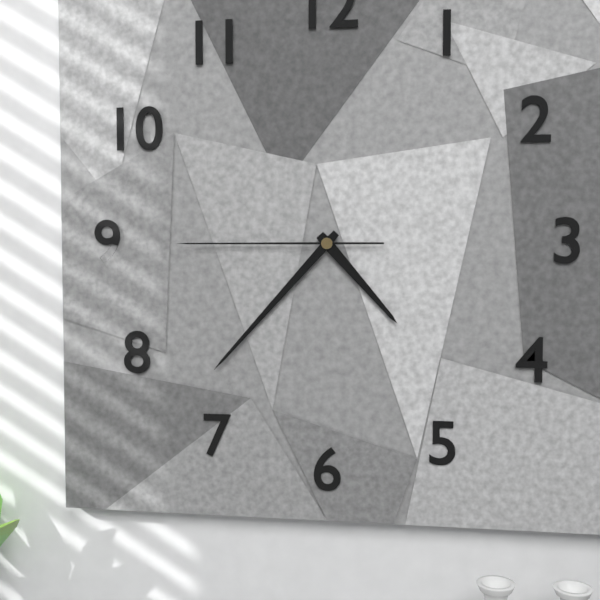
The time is 4h37m45s
